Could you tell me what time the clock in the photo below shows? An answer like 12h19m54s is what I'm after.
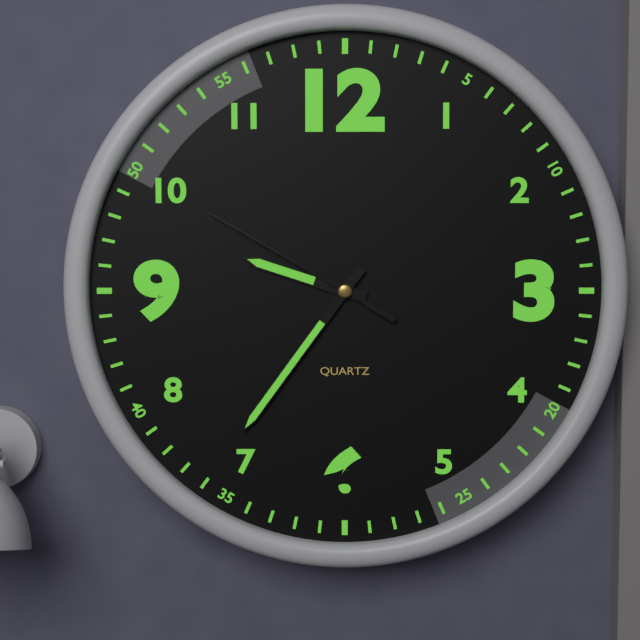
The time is 9h36m50s
